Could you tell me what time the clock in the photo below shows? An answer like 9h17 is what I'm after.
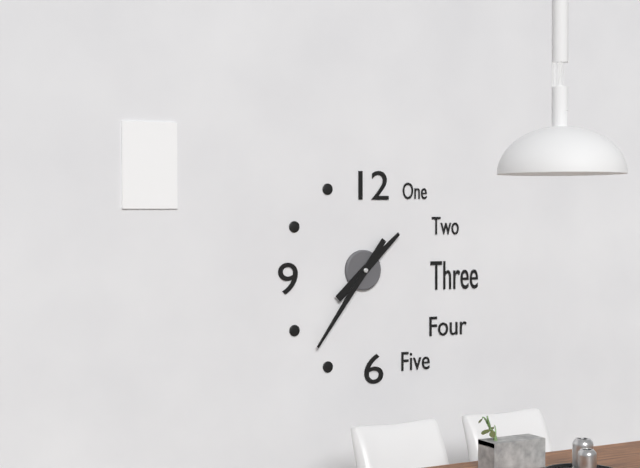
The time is 1h36
